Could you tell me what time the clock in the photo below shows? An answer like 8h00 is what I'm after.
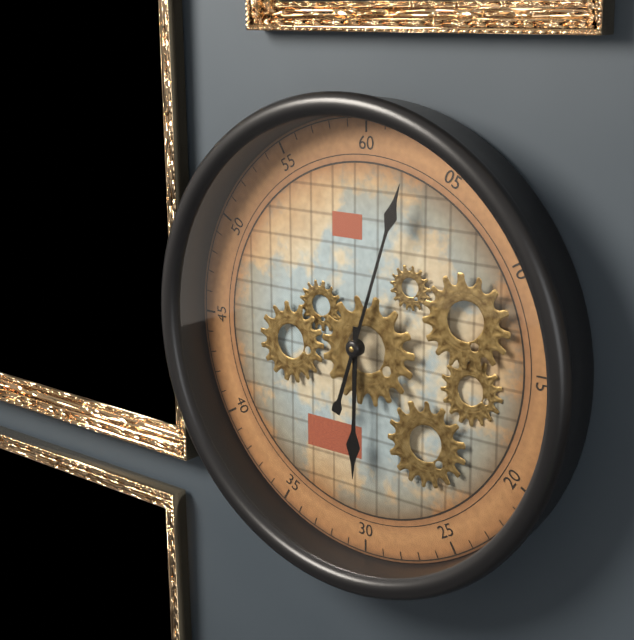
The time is 6h03
